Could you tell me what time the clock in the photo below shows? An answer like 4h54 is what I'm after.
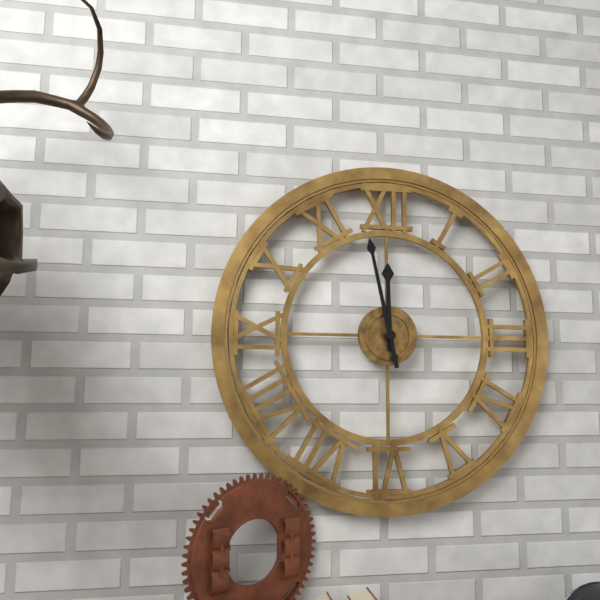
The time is 11h58
